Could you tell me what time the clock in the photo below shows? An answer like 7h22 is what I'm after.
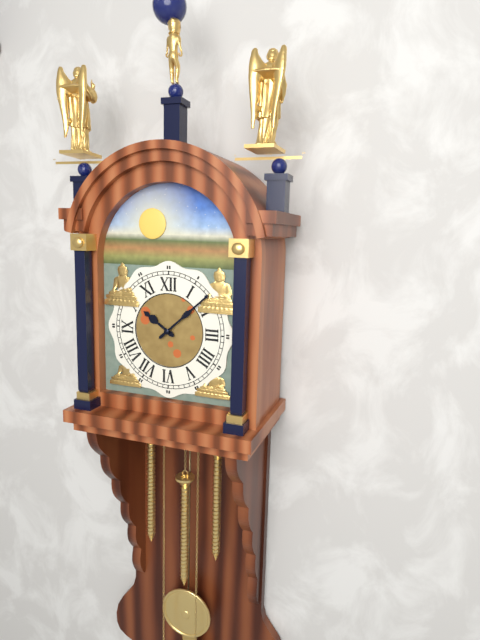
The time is 10h08
